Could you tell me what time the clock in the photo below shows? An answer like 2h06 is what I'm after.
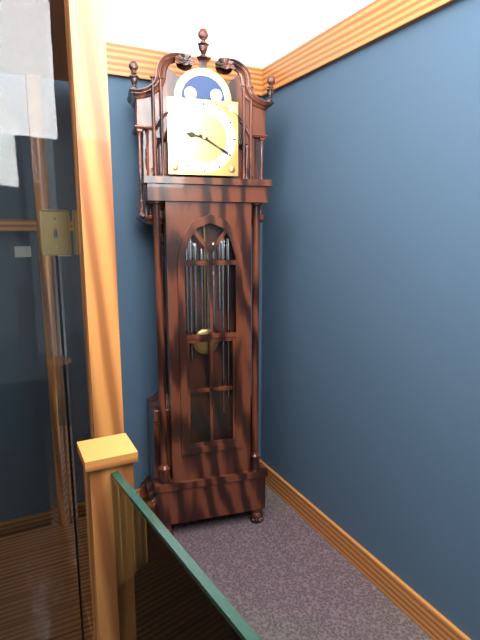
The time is 9h20
